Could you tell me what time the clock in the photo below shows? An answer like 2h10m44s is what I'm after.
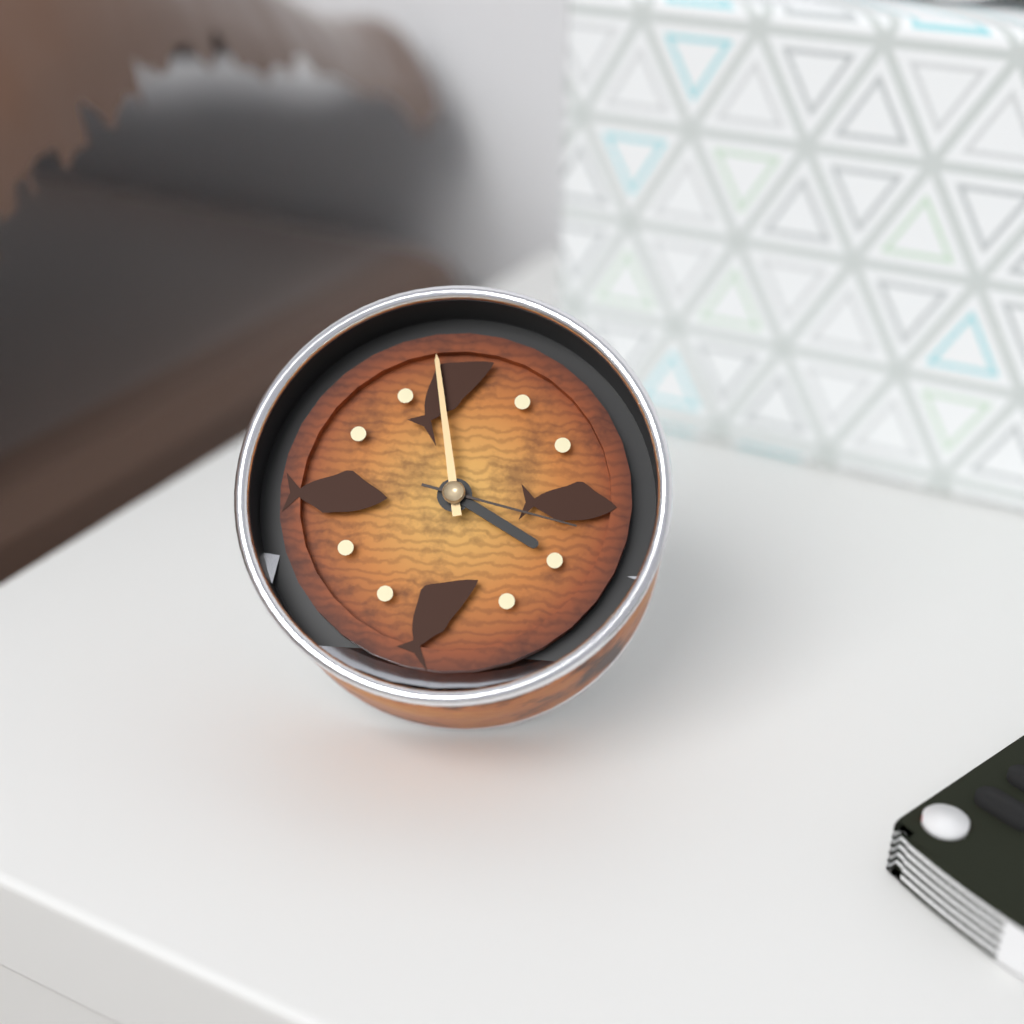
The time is 3h58m17s
